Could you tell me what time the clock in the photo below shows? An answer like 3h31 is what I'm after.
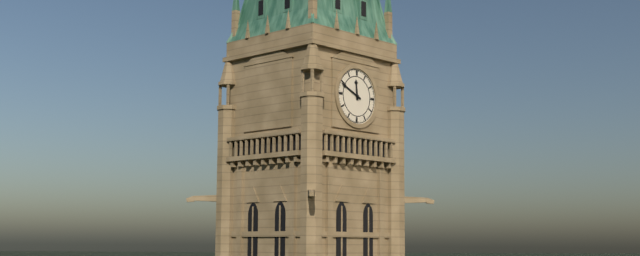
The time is 11h49
